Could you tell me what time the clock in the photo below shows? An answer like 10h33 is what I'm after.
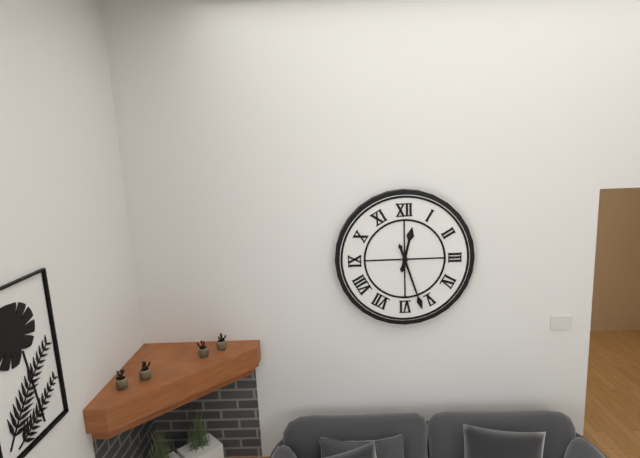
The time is 12h27
